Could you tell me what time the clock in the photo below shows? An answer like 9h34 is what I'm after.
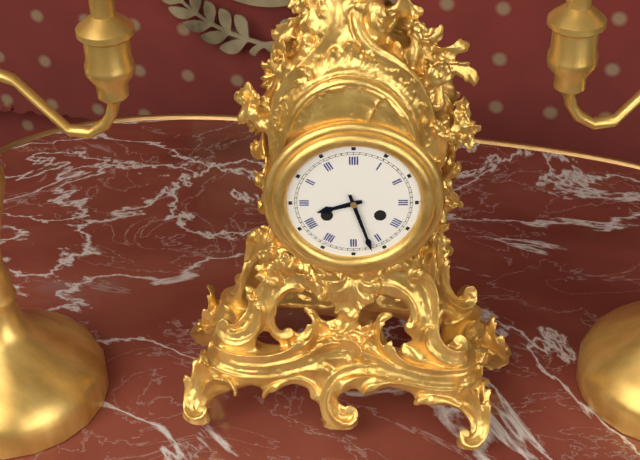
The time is 8h27
